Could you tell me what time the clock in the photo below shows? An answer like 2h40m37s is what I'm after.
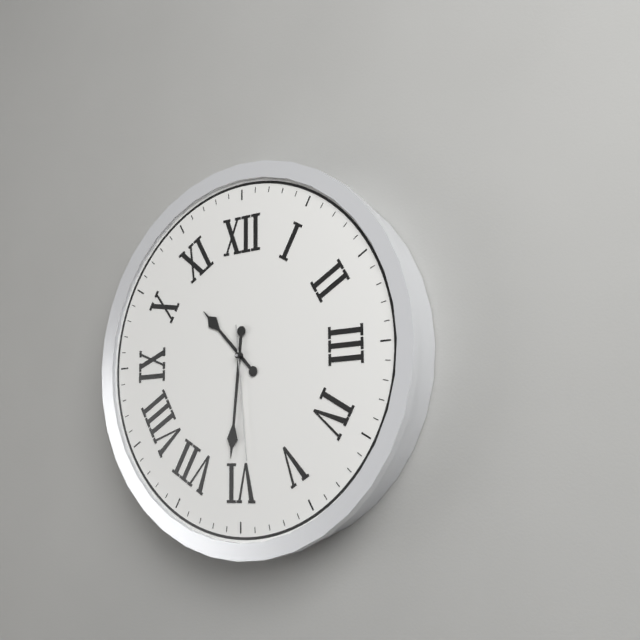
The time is 10h31m29s
